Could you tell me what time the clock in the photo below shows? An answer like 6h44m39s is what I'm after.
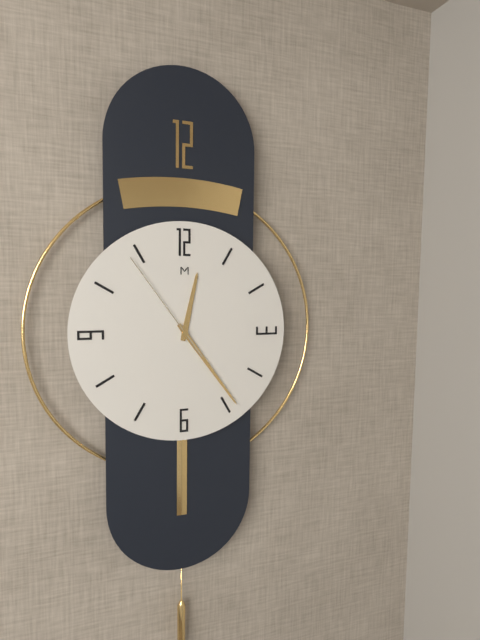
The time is 12h24m54s
